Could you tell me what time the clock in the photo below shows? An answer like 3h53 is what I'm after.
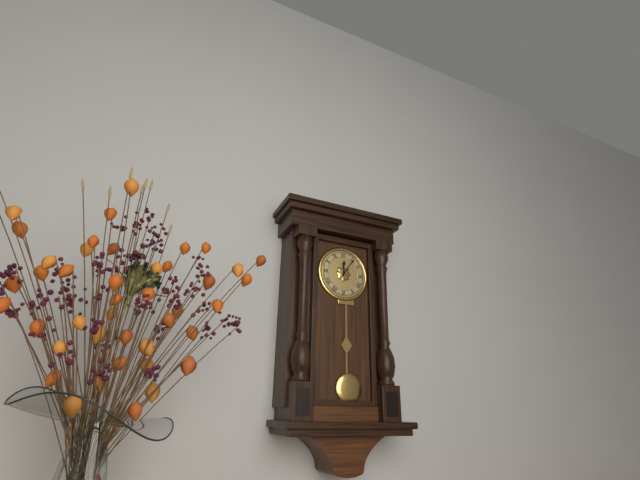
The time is 12h06
